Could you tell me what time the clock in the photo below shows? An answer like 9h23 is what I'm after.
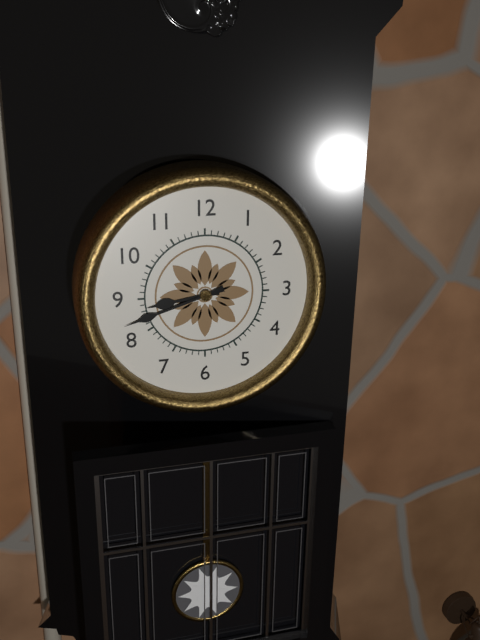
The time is 8h42
